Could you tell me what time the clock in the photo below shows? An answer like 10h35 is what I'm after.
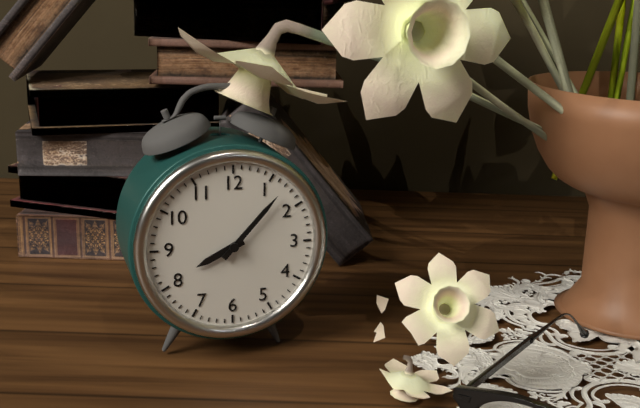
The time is 8h07
